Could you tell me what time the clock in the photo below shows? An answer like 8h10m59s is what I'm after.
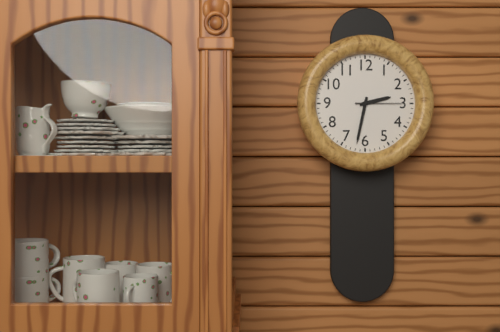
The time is 2h32m15s
